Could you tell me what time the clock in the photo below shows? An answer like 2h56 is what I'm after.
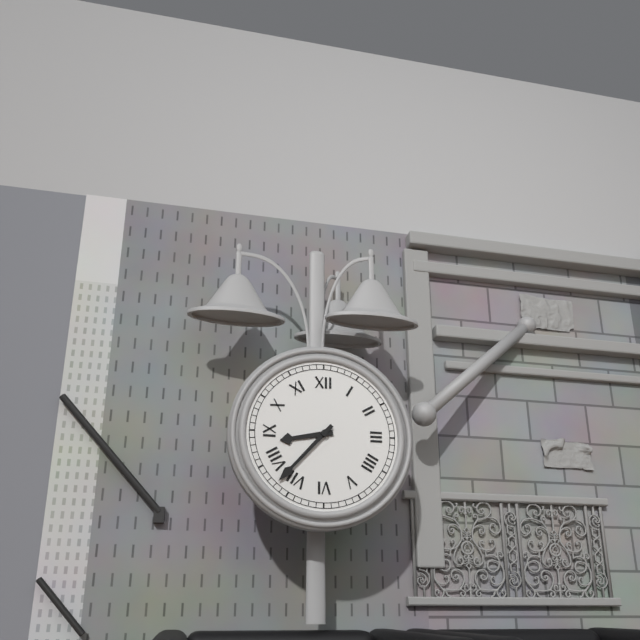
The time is 8h37
